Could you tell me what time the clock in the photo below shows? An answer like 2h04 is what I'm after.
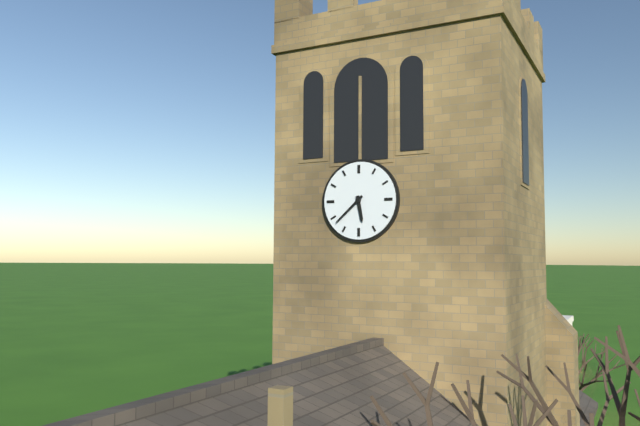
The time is 5h38
